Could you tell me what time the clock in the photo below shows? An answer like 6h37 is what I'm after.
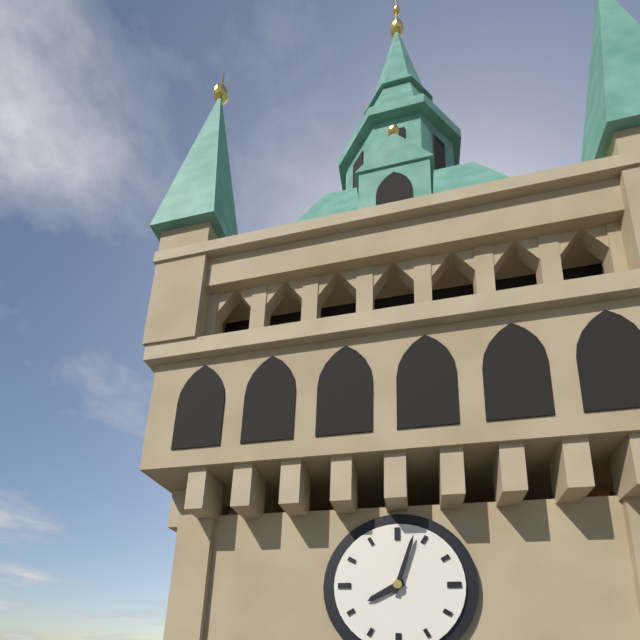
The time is 8h03
